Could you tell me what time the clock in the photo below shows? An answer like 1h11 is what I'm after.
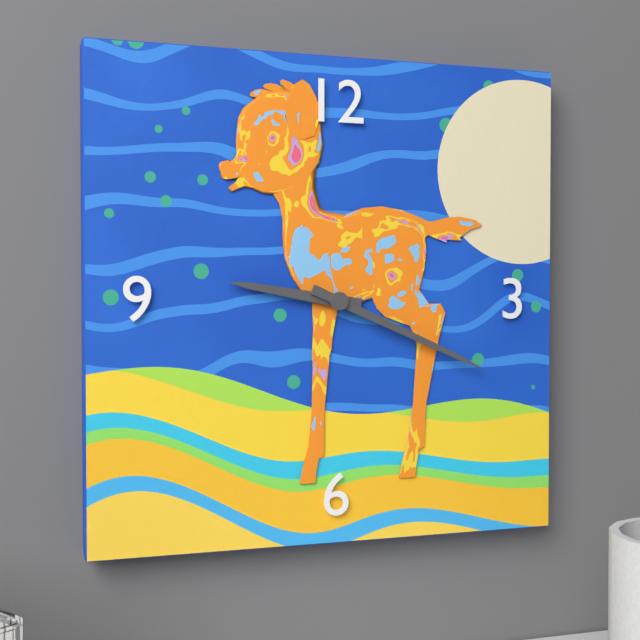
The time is 9h19
